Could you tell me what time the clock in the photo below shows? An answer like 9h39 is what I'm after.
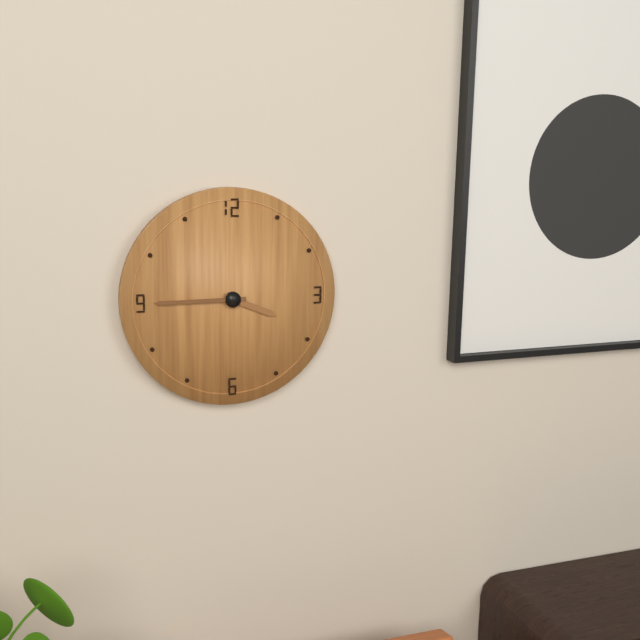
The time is 3h45
